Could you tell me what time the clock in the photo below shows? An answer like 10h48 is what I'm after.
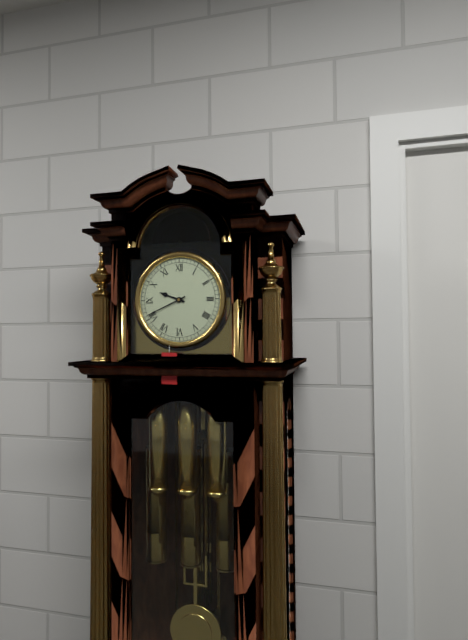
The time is 9h41
